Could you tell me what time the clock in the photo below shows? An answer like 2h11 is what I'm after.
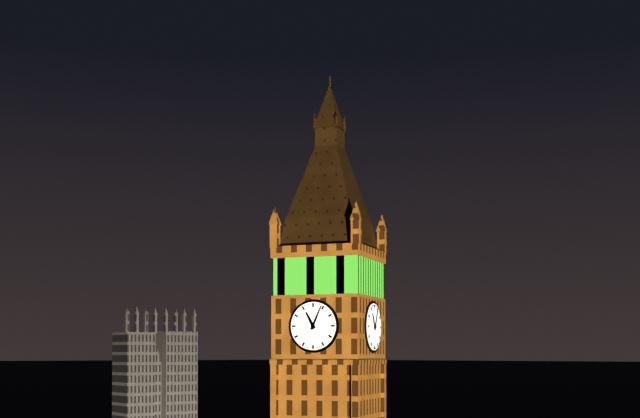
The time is 11h04
